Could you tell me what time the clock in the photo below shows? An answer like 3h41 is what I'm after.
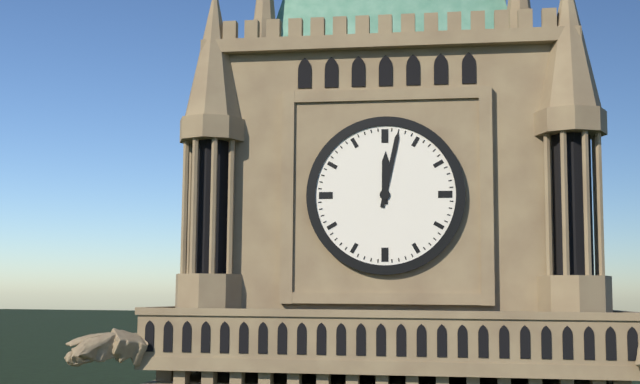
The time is 12h02
